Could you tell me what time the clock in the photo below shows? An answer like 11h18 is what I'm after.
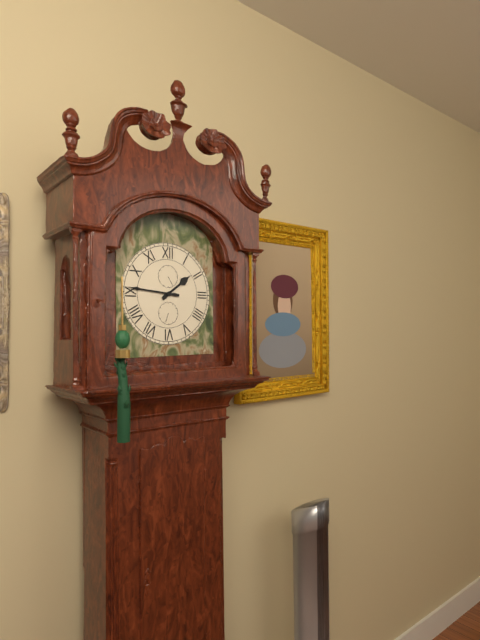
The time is 1h46
